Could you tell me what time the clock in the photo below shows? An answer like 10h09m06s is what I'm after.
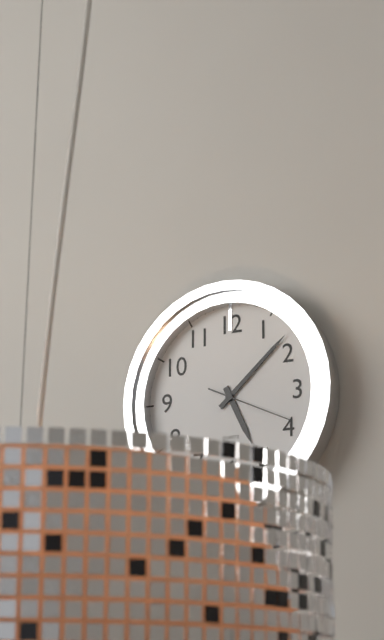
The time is 5h08m19s
